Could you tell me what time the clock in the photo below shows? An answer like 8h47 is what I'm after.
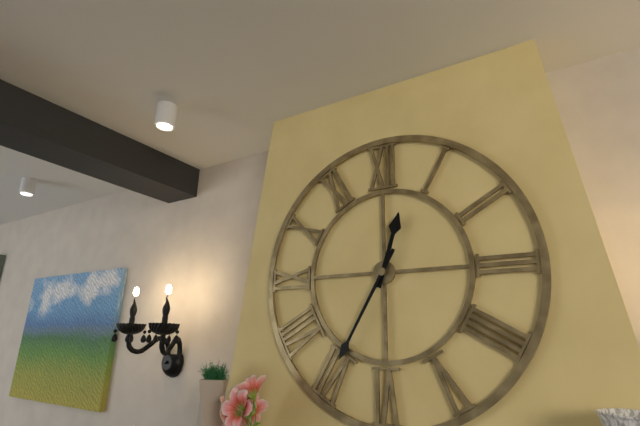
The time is 12h35
